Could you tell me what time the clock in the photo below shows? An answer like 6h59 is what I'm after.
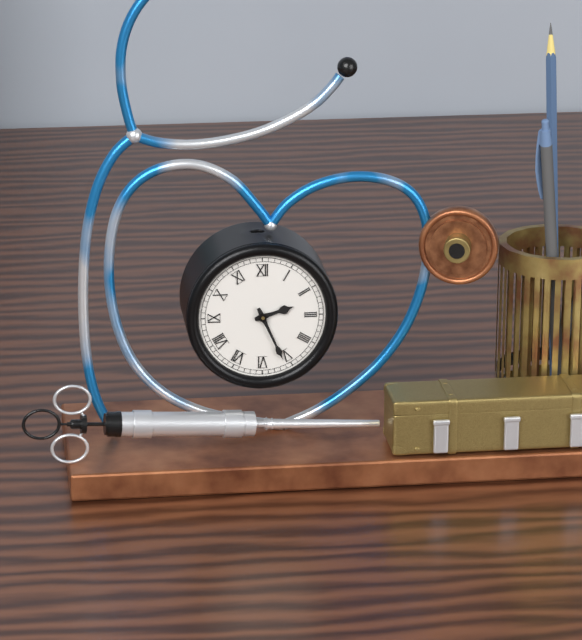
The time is 2h26
